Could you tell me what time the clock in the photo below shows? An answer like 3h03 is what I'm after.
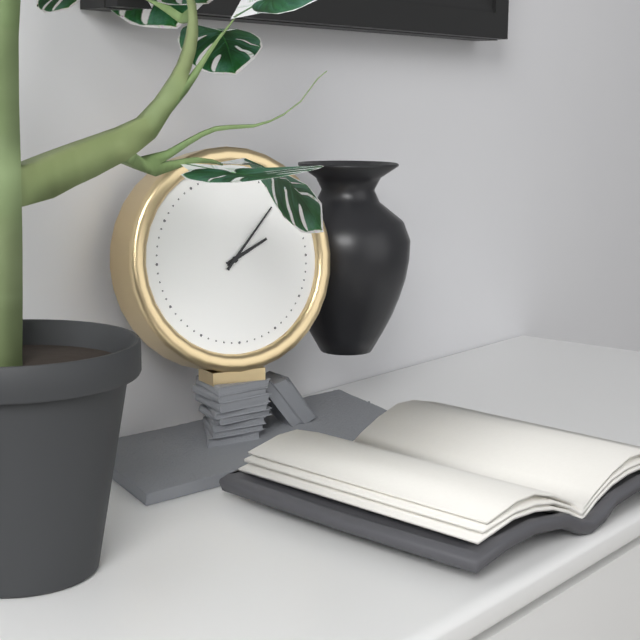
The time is 2h07
